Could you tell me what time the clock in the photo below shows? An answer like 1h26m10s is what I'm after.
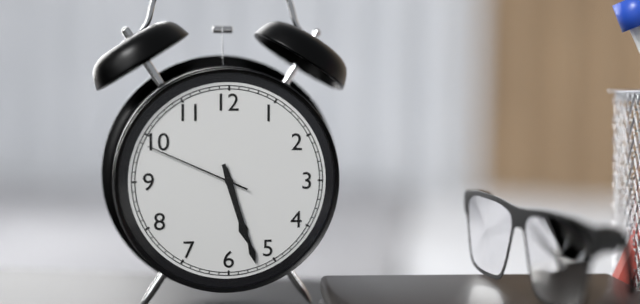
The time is 5h27m49s
